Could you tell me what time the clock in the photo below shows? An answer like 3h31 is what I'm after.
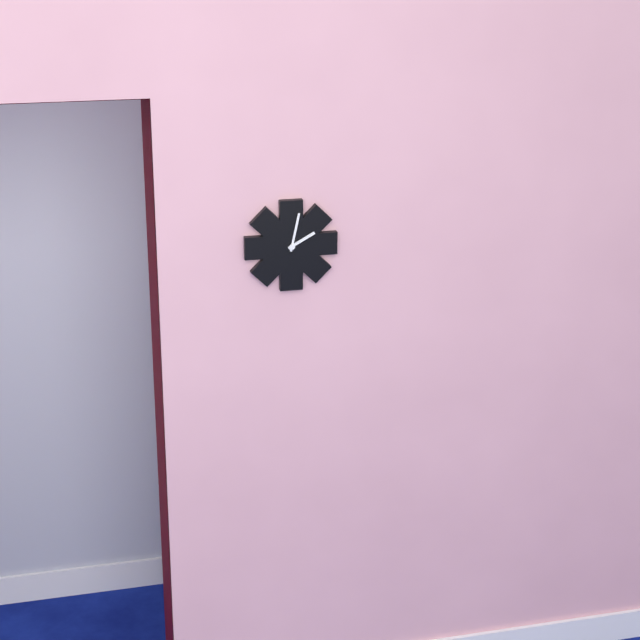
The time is 2h02
